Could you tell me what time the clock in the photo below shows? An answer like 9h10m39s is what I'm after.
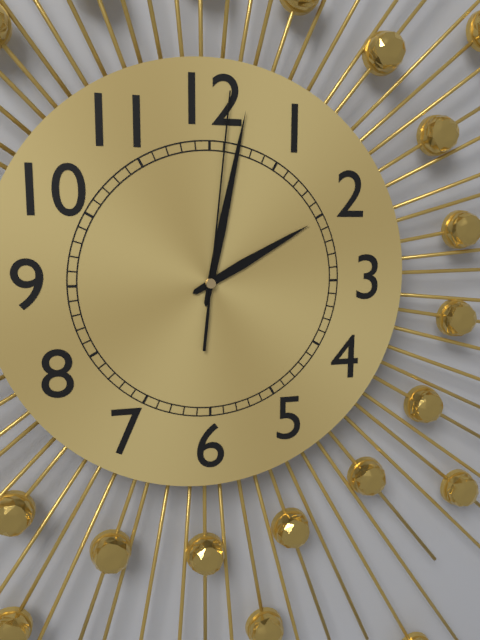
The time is 2h02m01s
